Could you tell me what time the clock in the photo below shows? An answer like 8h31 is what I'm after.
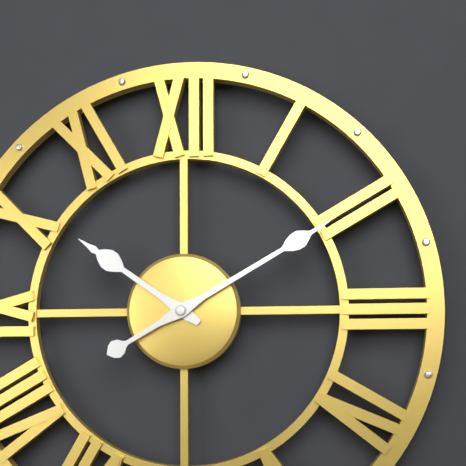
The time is 10h10
